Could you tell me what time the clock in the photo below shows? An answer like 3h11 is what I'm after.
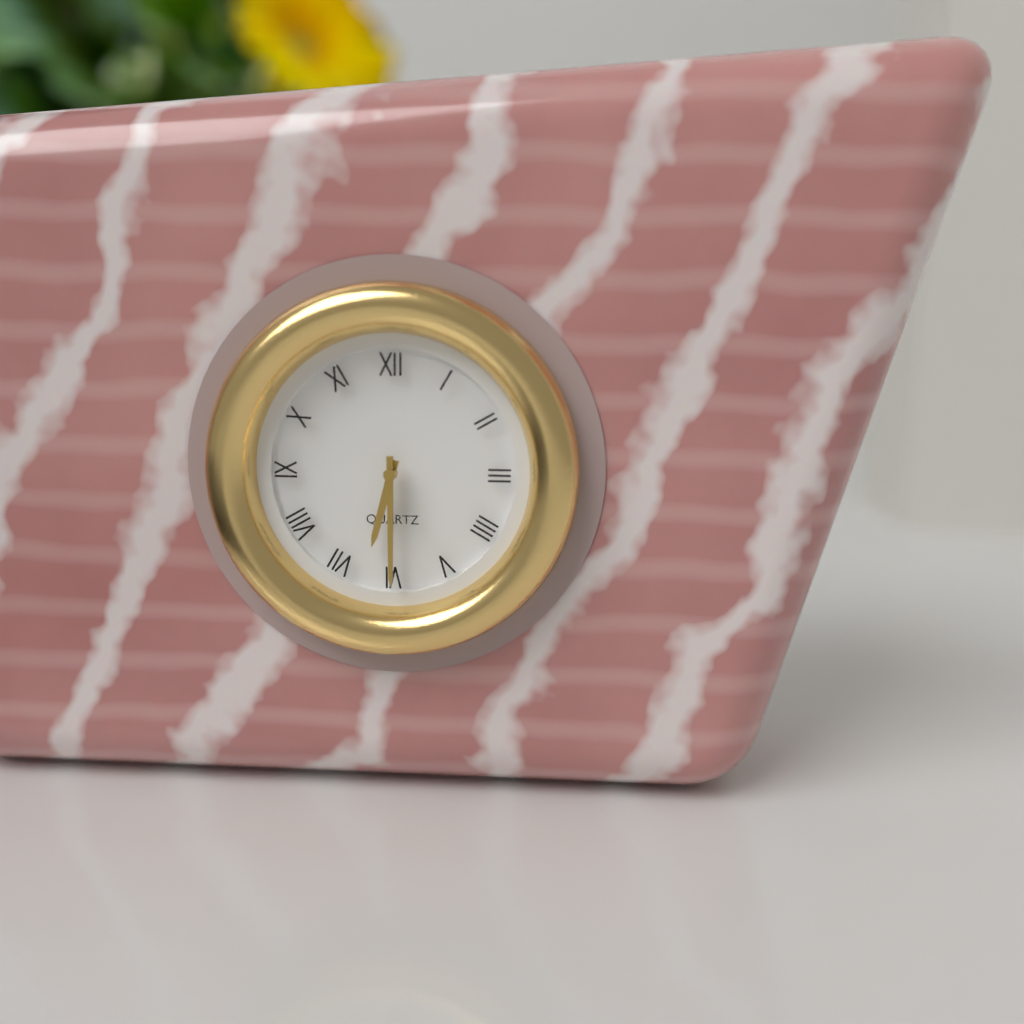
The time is 6h30
